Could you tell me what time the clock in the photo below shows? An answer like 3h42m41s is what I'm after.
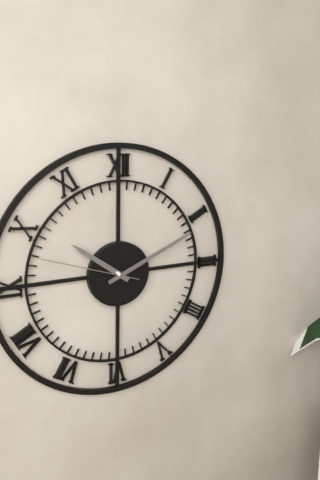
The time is 10h11m48s
